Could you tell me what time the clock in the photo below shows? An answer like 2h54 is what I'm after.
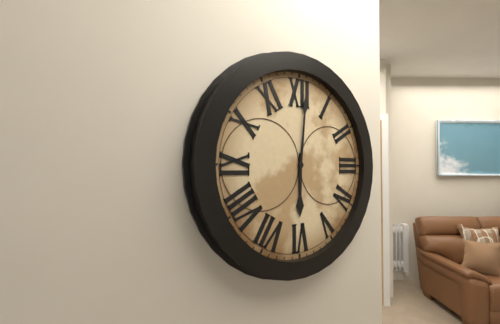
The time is 6h01
